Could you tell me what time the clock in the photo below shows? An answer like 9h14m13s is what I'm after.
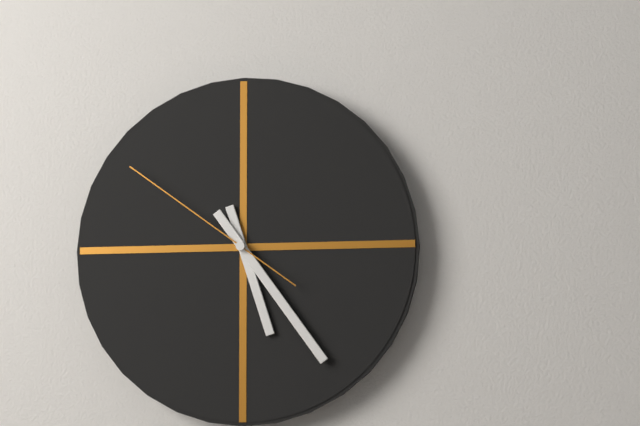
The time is 5h24m51s
